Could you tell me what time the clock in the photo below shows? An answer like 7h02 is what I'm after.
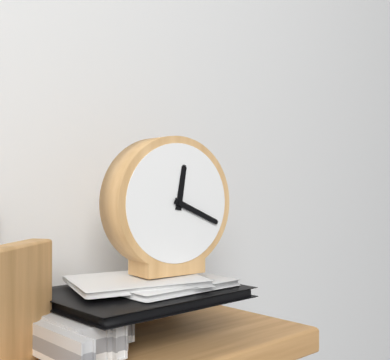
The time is 12h19
